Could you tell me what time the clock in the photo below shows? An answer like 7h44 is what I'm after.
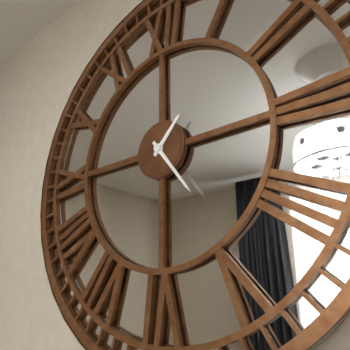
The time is 1h24
